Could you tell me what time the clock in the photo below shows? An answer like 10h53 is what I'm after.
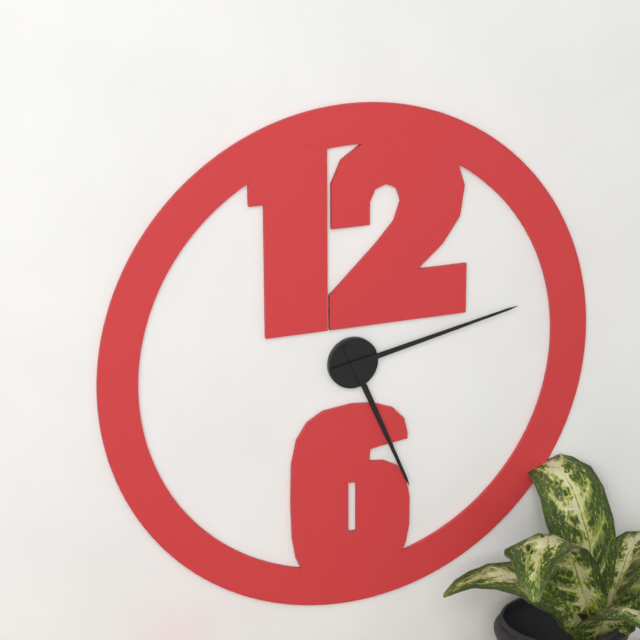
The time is 5h13
